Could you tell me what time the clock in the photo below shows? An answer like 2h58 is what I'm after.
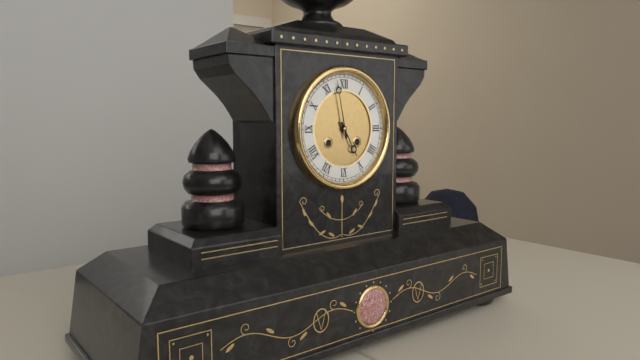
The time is 4h58
